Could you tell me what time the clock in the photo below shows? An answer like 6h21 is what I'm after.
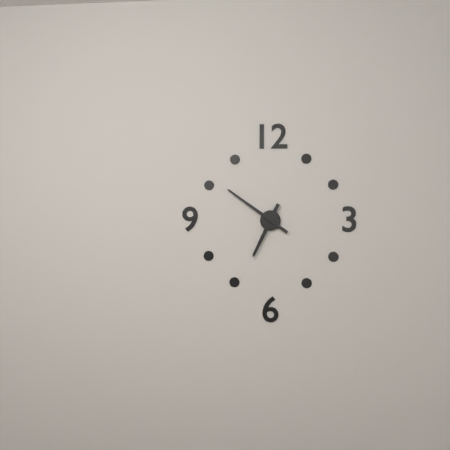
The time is 6h51
